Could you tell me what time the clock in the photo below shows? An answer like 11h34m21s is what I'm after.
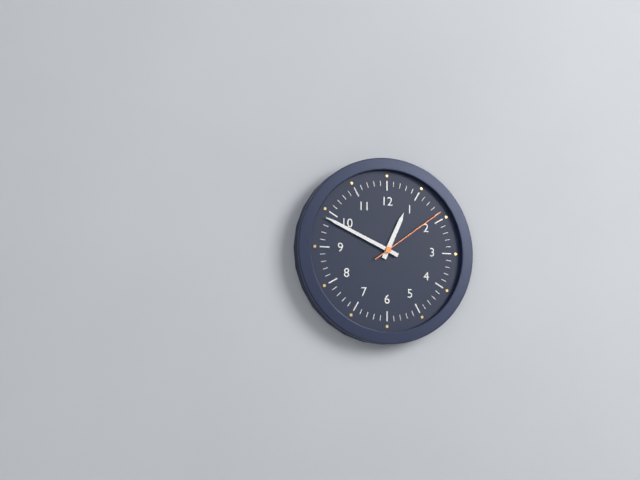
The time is 12h49m09s
